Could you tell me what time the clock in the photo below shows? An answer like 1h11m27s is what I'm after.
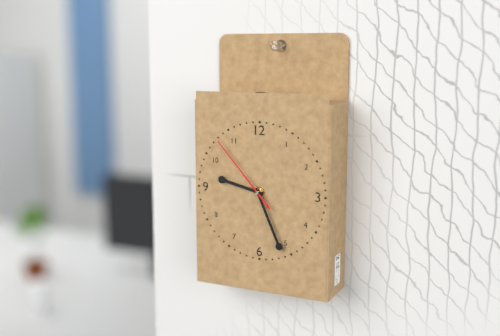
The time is 9h26m53s
